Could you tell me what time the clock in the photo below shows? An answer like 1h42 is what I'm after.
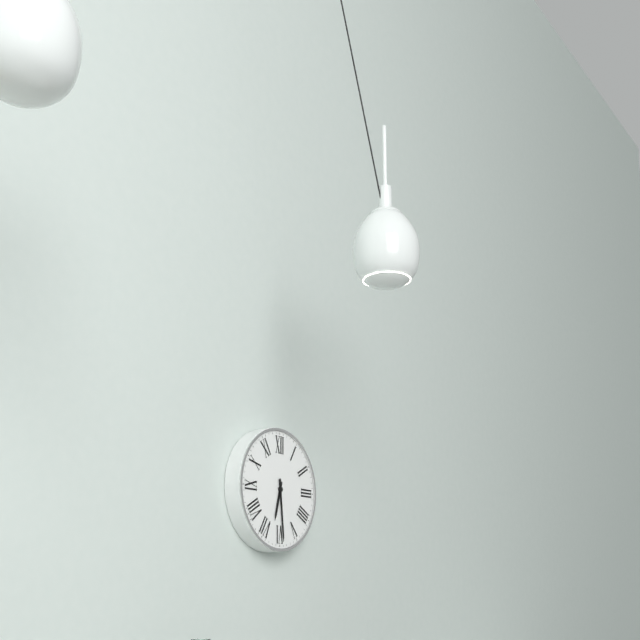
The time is 6h29
